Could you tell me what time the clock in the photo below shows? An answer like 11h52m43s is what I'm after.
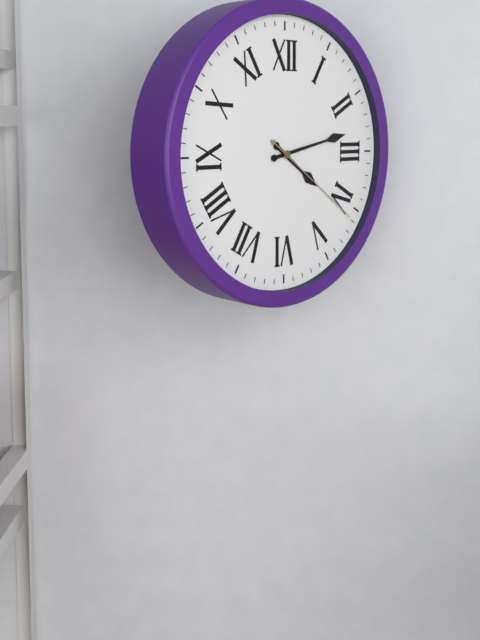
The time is 4h13m21s
